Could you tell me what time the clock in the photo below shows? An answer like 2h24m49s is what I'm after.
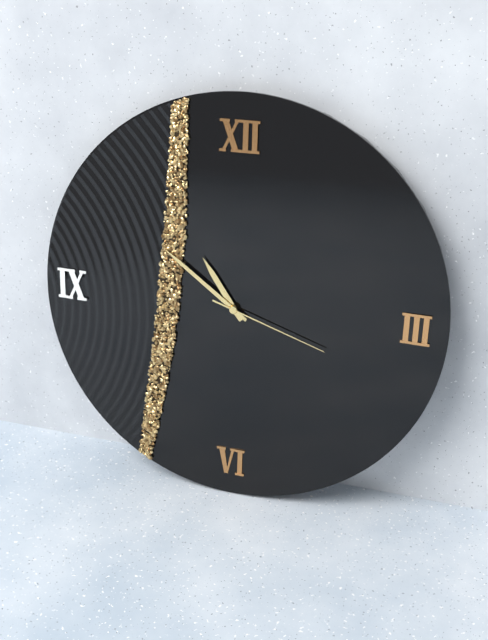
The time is 10h51m18s
